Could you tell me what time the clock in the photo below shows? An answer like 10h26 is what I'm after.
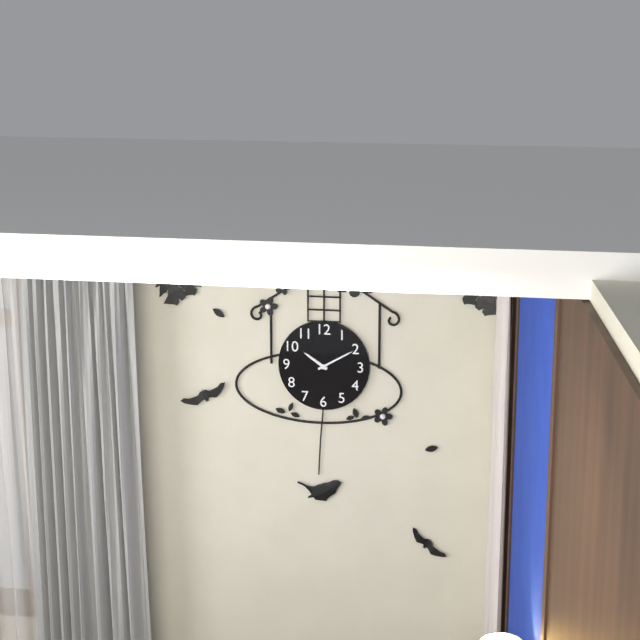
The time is 10h10
